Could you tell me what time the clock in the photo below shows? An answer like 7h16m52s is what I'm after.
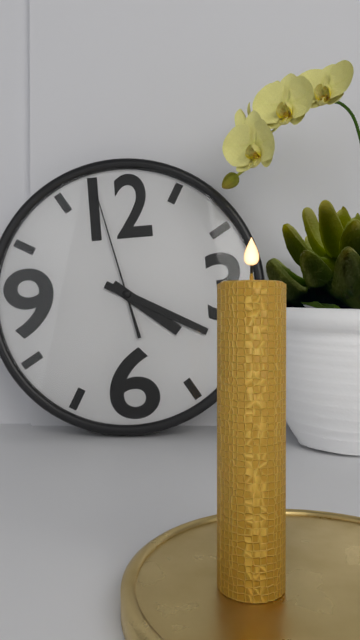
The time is 4h20m58s
